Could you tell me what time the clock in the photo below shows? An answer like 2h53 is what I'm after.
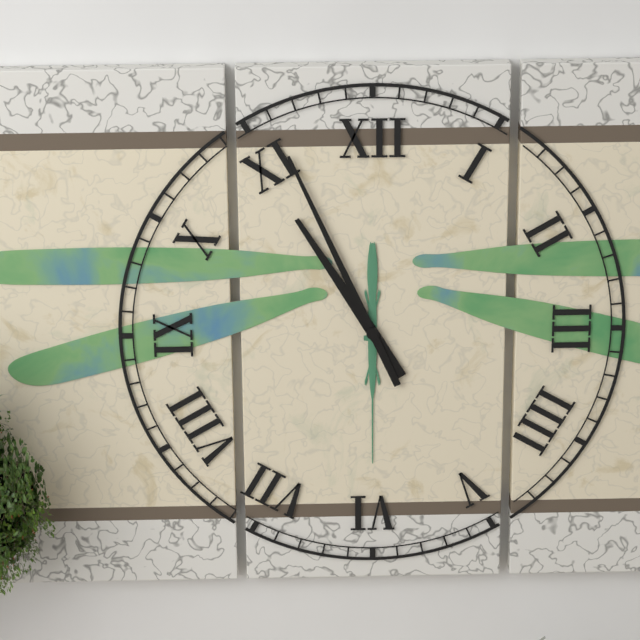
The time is 10h56
